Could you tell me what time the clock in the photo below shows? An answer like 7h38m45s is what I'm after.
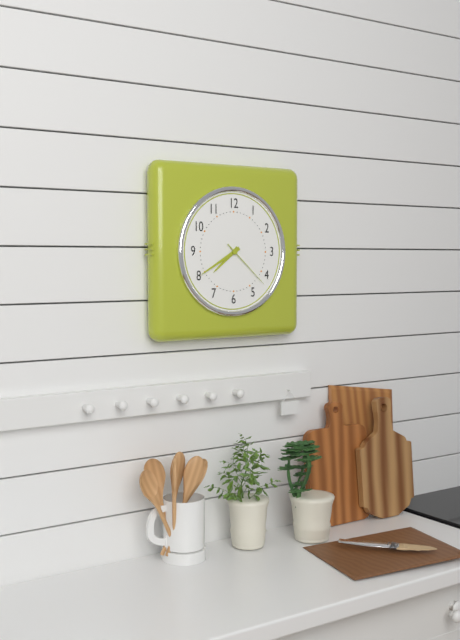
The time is 7h40m22s
